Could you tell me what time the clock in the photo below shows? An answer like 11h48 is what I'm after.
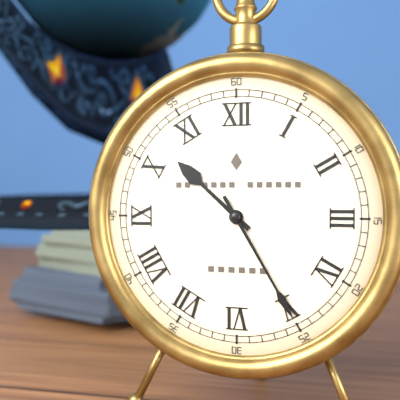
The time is 10h25
